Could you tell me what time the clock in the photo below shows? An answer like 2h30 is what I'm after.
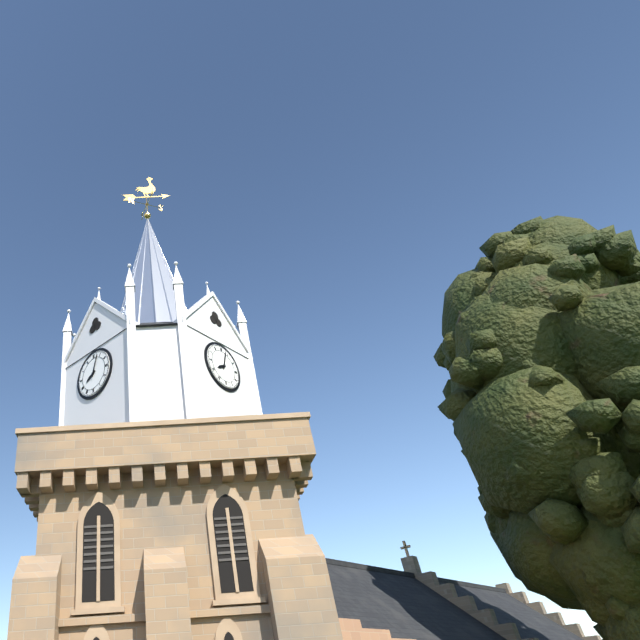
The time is 8h03
